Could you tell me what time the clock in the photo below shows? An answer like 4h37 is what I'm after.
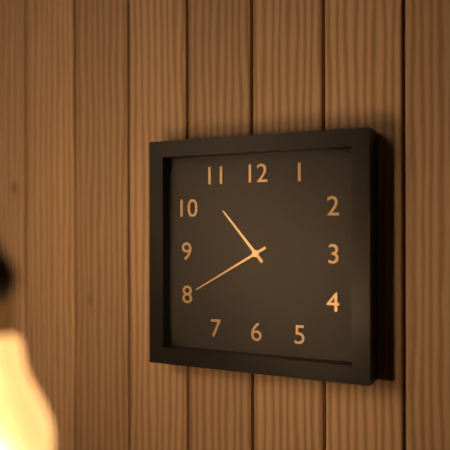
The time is 10h40
